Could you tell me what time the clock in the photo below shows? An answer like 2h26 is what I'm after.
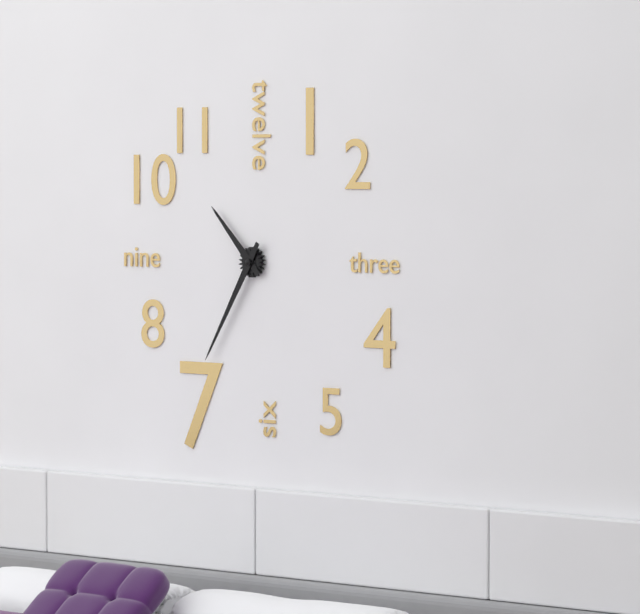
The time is 10h35
